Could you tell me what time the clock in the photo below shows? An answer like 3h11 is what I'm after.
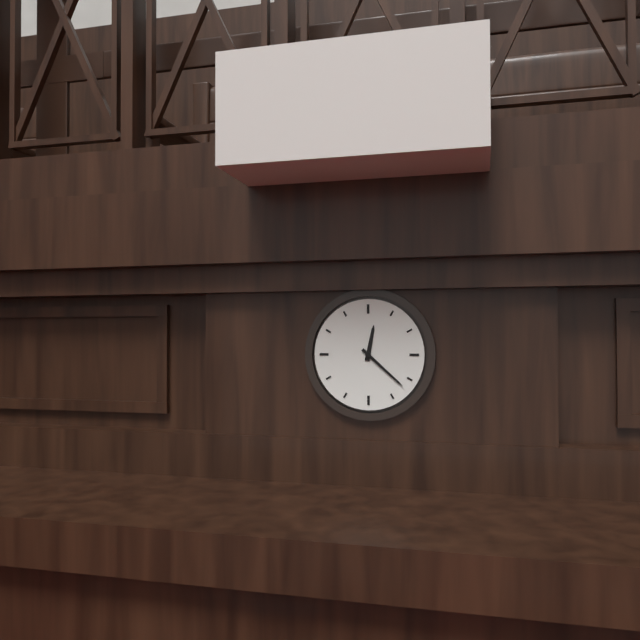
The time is 12h22
